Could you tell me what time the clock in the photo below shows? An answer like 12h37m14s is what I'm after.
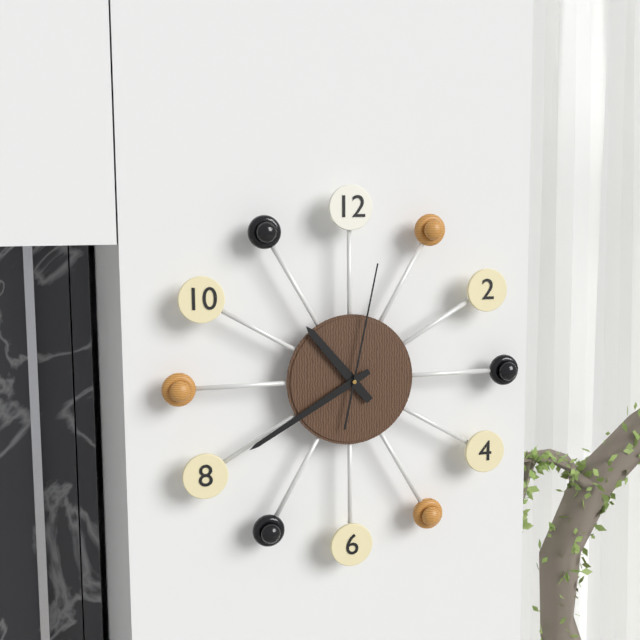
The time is 10h40m02s
